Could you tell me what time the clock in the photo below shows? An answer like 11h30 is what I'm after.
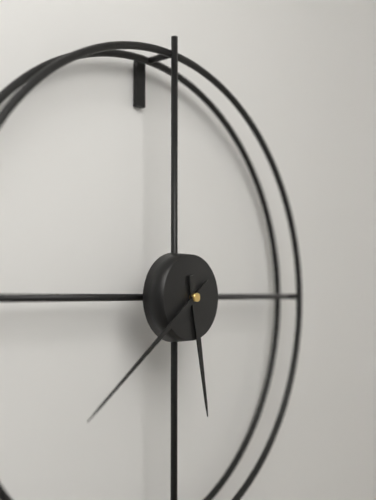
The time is 5h39
